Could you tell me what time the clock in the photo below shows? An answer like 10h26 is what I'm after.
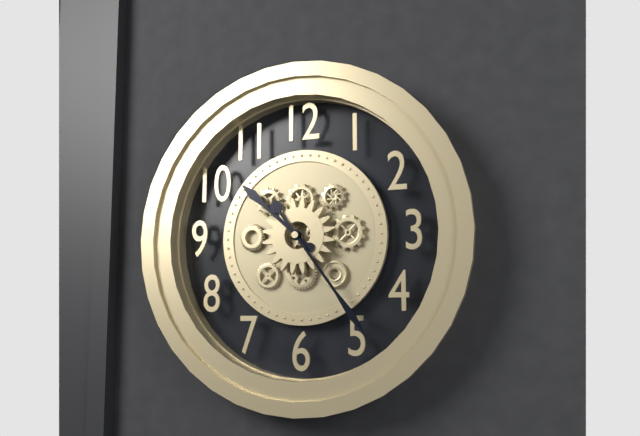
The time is 10h24
